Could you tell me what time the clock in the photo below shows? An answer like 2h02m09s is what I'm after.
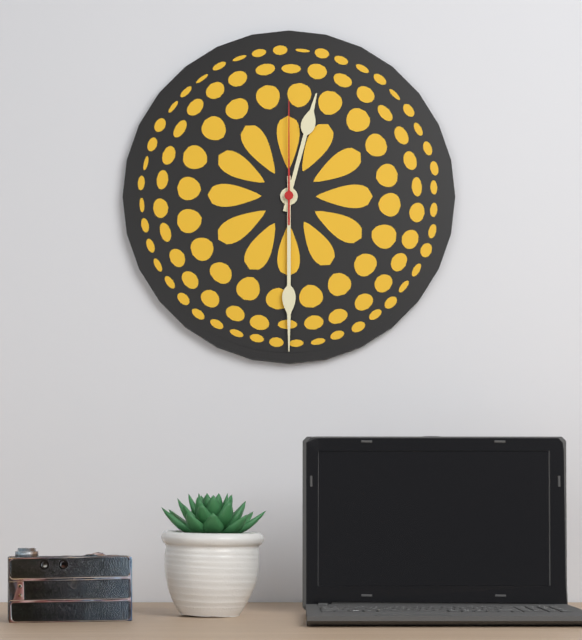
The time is 12h30m00s
